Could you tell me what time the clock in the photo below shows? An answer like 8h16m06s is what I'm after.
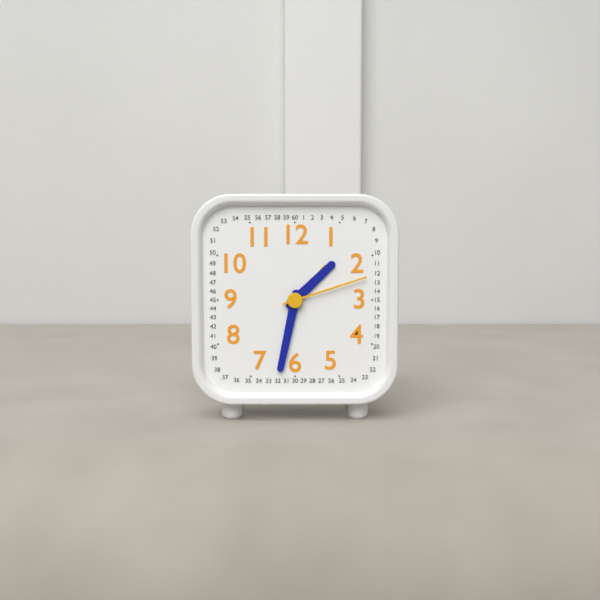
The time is 1h32m12s
